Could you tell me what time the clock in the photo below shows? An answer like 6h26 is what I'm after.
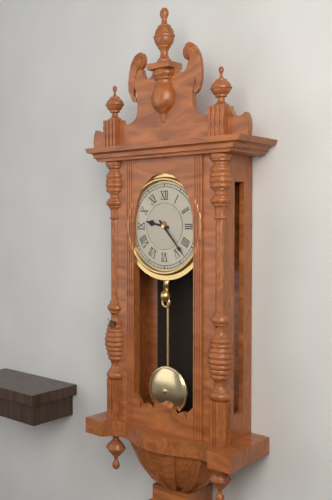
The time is 9h23
